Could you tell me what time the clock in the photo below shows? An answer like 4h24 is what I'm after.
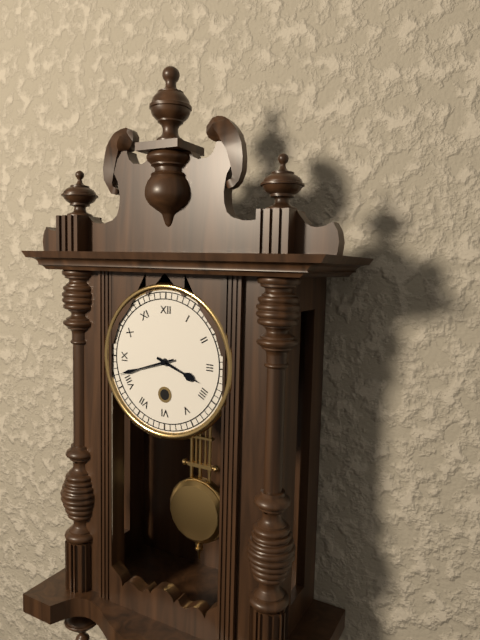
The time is 3h42
